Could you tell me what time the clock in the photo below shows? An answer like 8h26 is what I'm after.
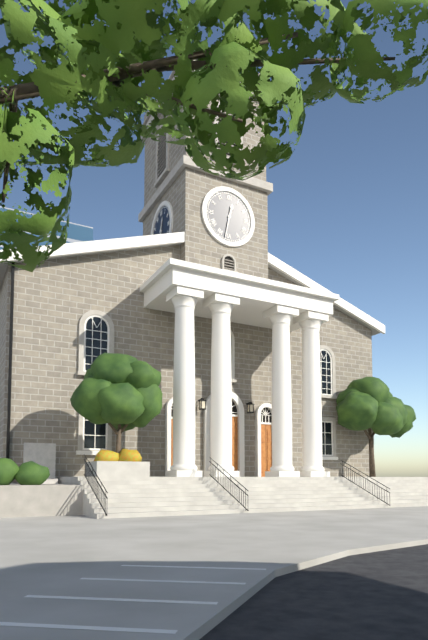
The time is 12h32
